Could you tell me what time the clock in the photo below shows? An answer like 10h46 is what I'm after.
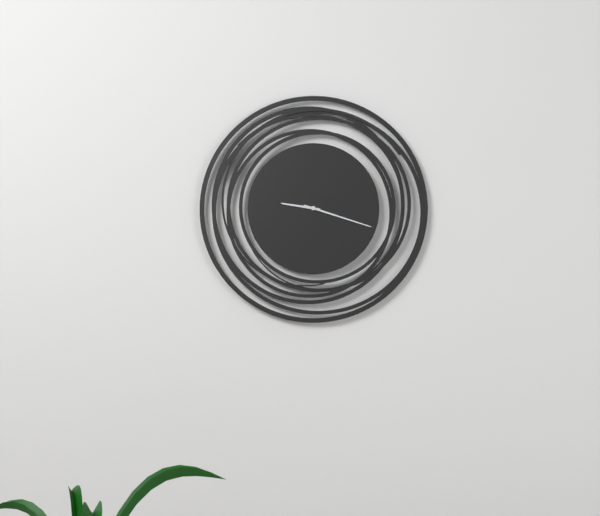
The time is 9h18
